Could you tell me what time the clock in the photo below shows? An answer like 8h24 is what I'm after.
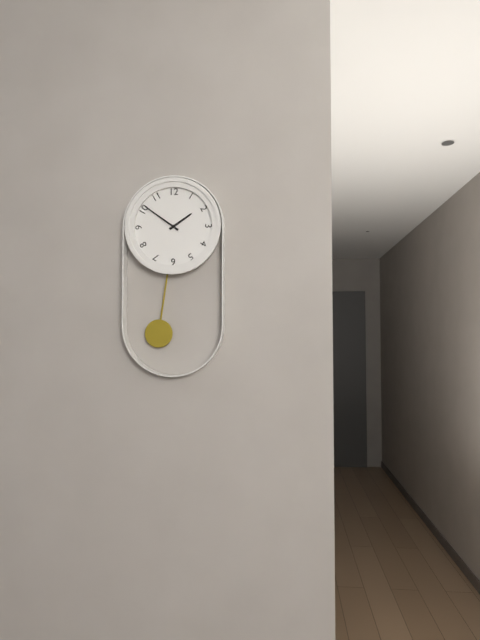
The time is 1h51
